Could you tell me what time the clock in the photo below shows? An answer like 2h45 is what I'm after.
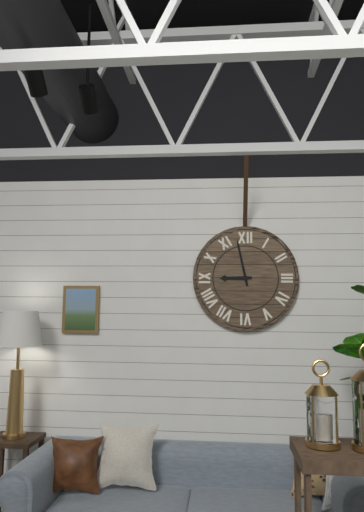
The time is 8h58
